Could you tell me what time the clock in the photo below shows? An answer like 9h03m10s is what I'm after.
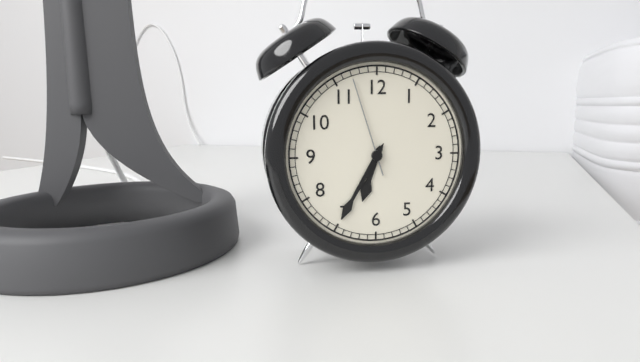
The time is 6h35m57s
